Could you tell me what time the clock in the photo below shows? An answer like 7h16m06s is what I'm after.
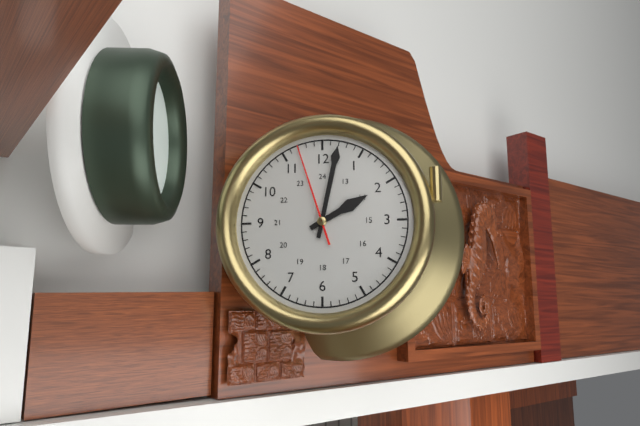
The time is 2h02m57s
